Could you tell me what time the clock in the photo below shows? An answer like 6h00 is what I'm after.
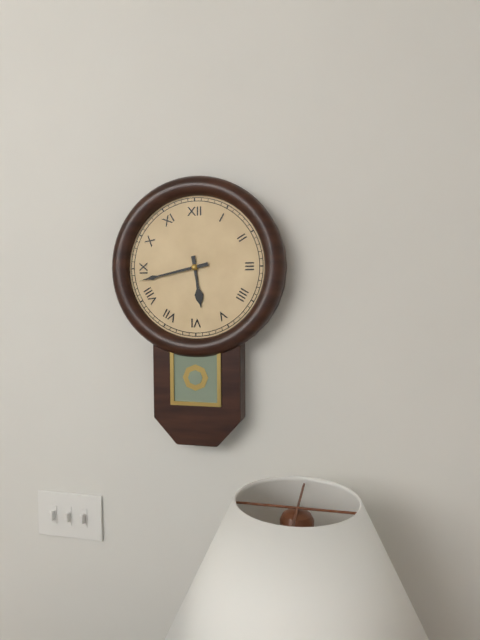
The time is 5h43
